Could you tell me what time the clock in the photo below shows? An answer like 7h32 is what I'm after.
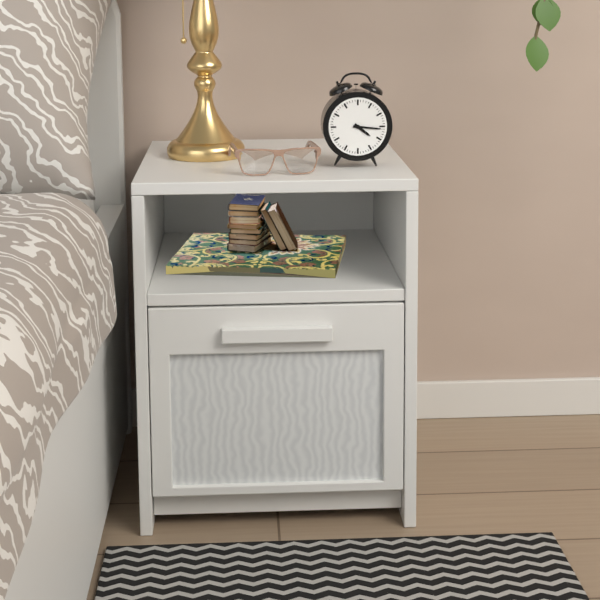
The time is 4h16
